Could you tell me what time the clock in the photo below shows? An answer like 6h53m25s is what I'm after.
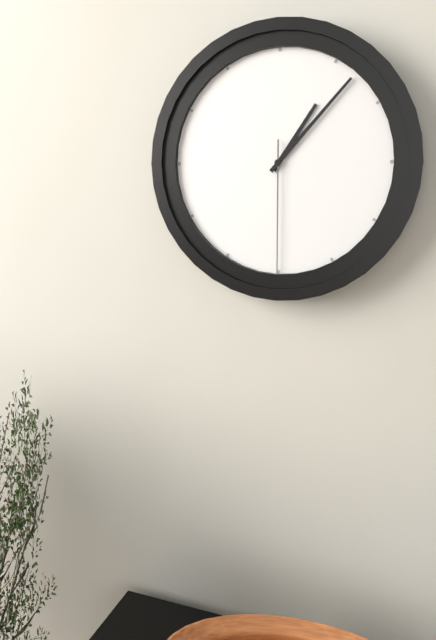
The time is 1h07m30s
